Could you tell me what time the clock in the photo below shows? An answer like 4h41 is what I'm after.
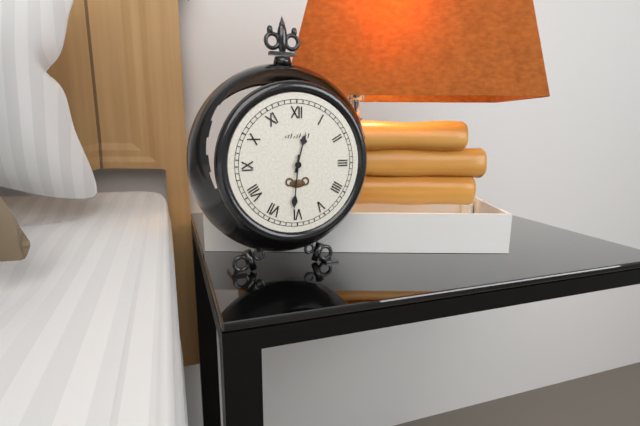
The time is 12h31
